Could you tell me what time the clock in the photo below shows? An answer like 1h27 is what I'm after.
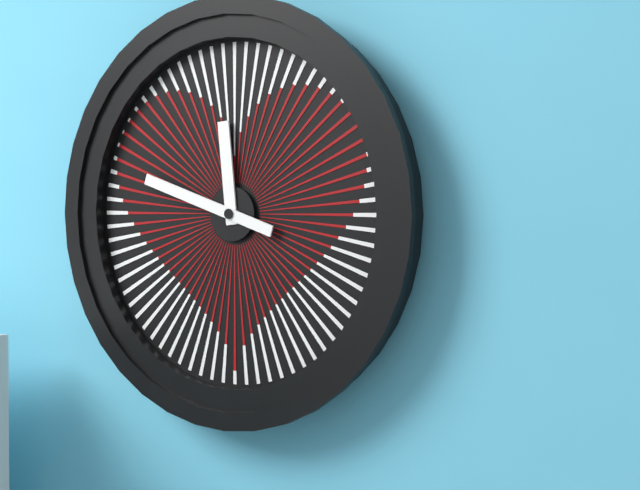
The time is 11h48
